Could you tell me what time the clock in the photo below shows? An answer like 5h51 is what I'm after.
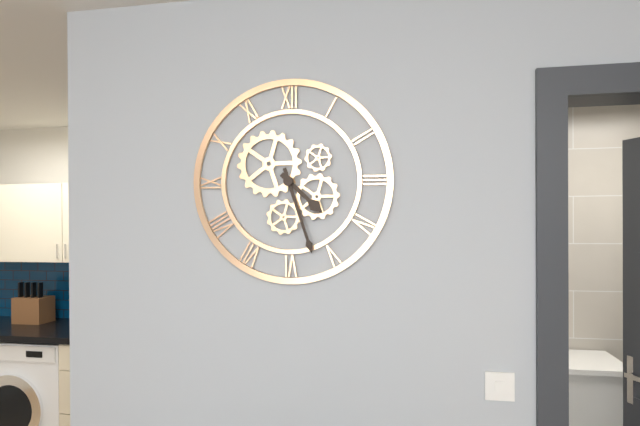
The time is 4h27
